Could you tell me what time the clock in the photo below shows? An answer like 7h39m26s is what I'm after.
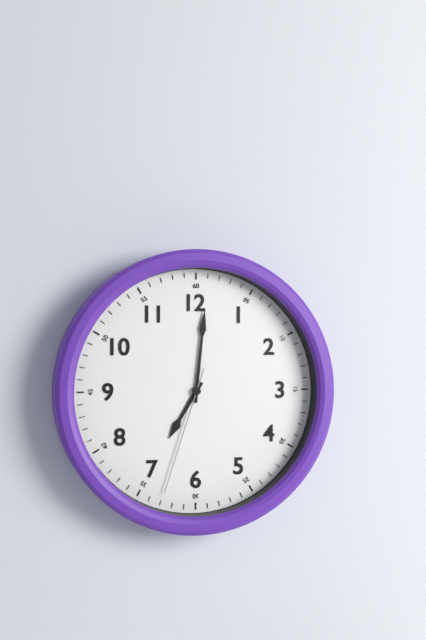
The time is 7h01m33s
